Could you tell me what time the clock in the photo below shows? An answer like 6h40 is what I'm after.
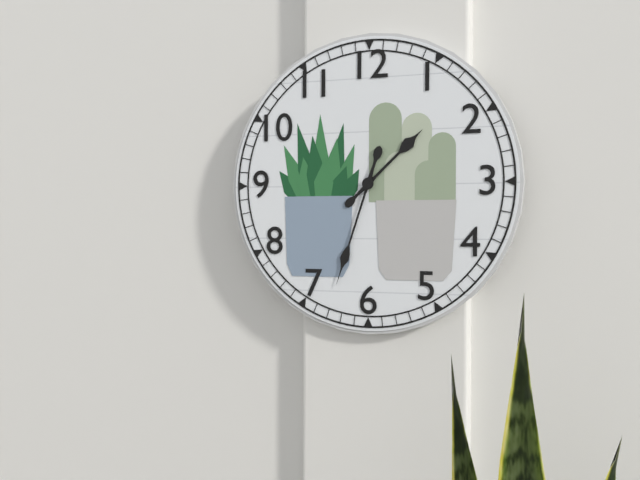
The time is 1h33
